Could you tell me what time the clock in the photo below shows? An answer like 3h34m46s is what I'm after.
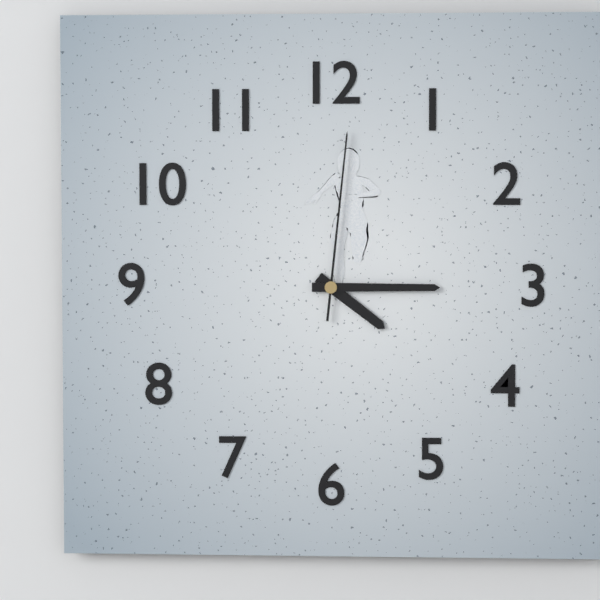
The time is 4h15m01s
